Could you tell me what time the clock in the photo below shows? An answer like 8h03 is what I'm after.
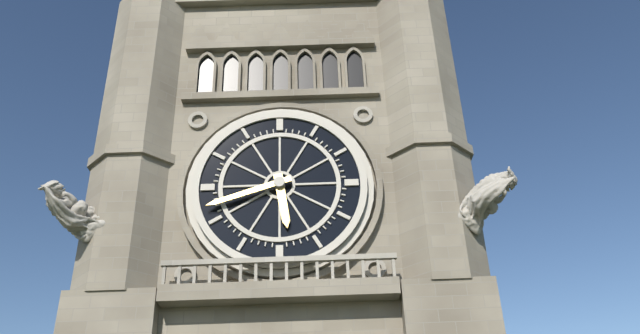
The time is 5h42
